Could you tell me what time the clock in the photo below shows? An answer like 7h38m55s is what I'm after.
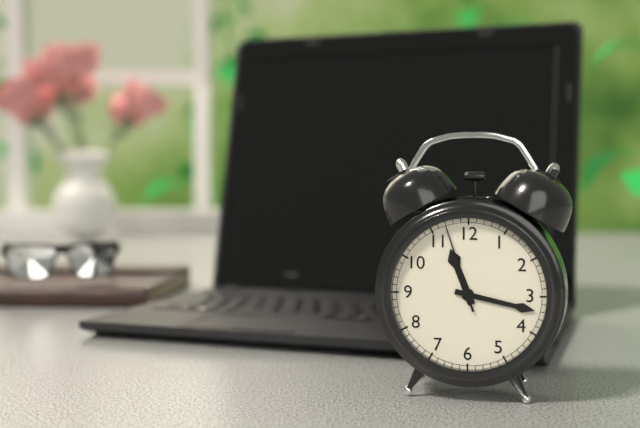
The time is 11h17m57s
